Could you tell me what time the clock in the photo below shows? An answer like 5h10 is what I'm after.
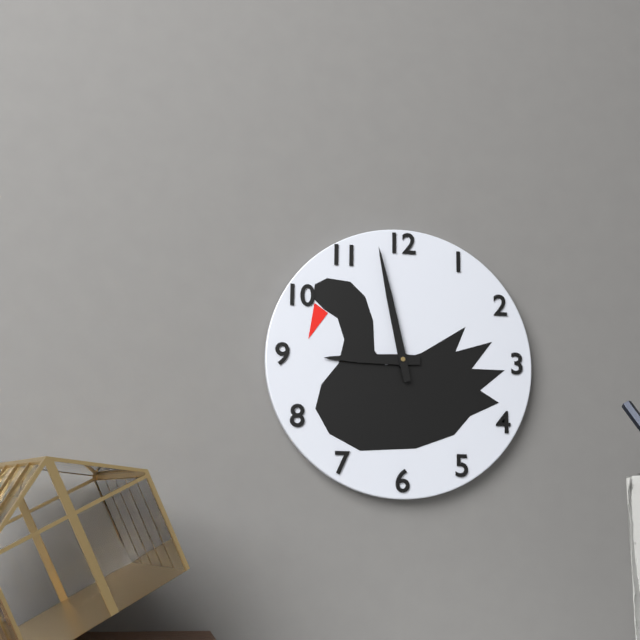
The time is 8h58
